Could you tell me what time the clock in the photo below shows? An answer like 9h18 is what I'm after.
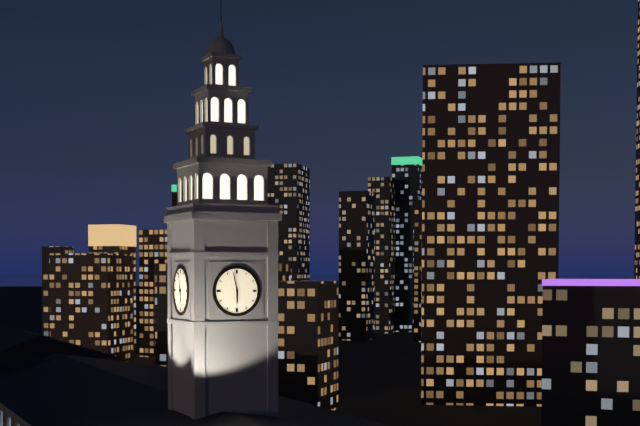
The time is 5h58
